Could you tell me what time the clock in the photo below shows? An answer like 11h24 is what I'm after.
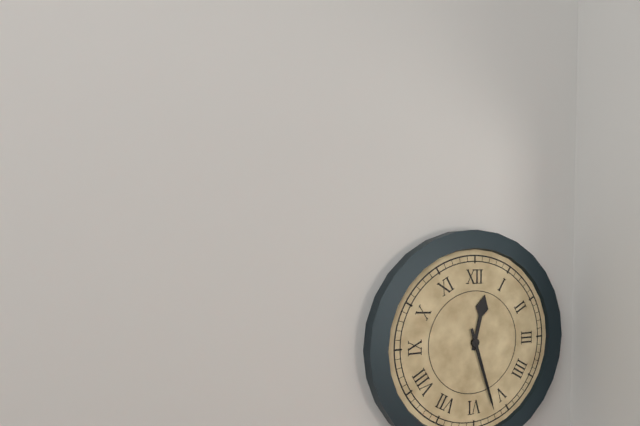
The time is 12h27
